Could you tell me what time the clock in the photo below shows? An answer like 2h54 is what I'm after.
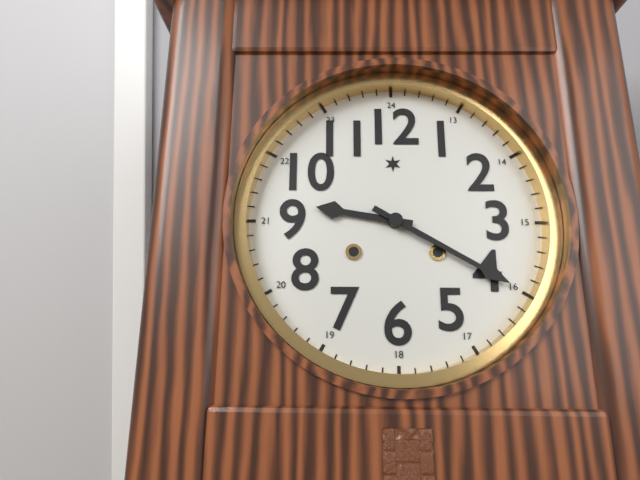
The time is 9h20
